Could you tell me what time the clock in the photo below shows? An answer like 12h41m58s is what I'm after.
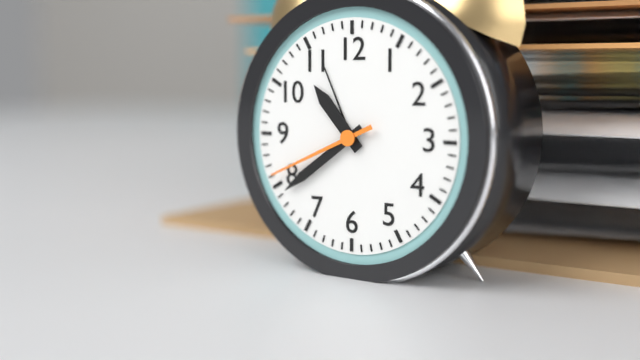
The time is 10h39m41s
